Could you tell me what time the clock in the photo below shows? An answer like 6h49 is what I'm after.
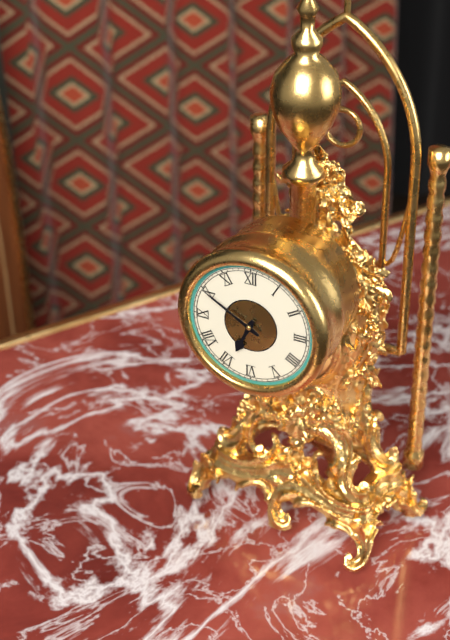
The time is 6h50
